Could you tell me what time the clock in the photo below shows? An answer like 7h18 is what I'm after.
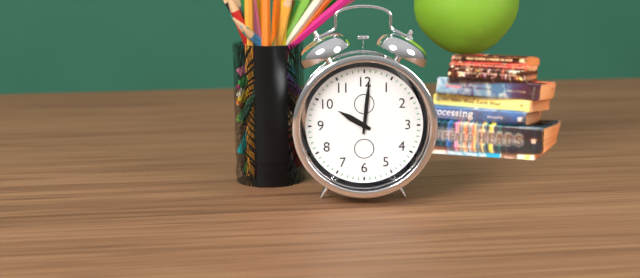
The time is 10h01
